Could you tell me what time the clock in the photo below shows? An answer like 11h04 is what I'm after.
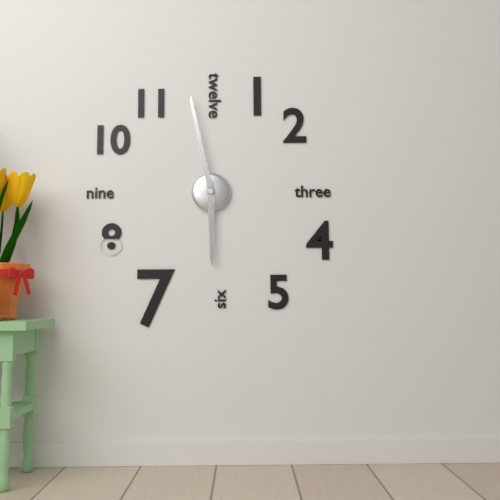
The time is 5h58
